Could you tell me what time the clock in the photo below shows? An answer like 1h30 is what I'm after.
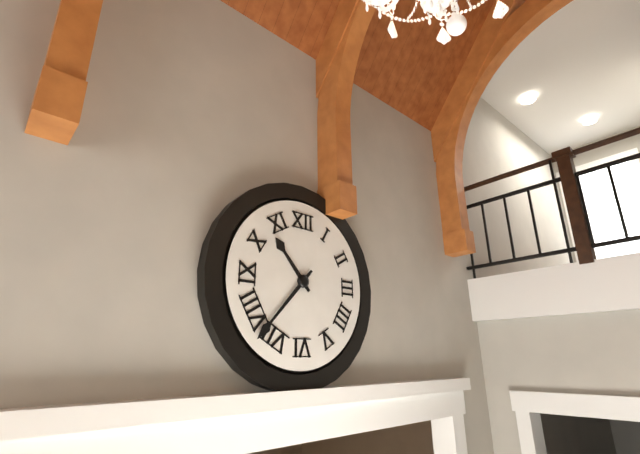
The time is 10h37
